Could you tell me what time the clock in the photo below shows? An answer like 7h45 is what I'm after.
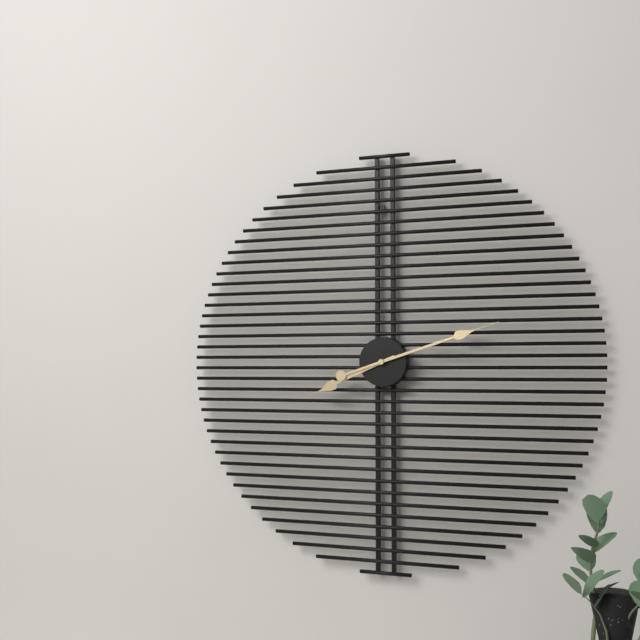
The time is 8h12
